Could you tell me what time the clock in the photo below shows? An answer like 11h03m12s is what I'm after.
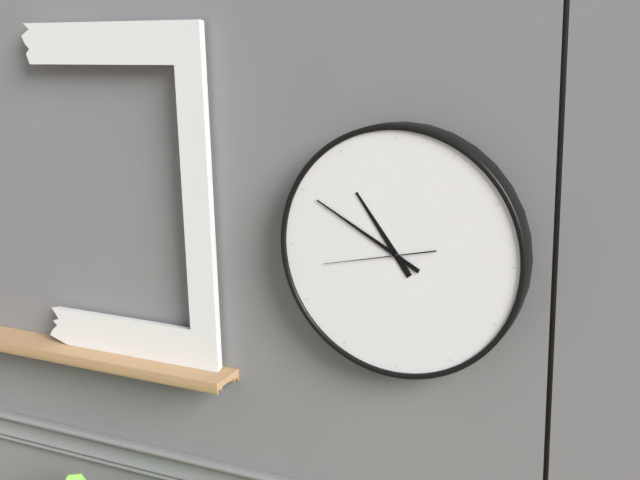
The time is 10h50m43s
